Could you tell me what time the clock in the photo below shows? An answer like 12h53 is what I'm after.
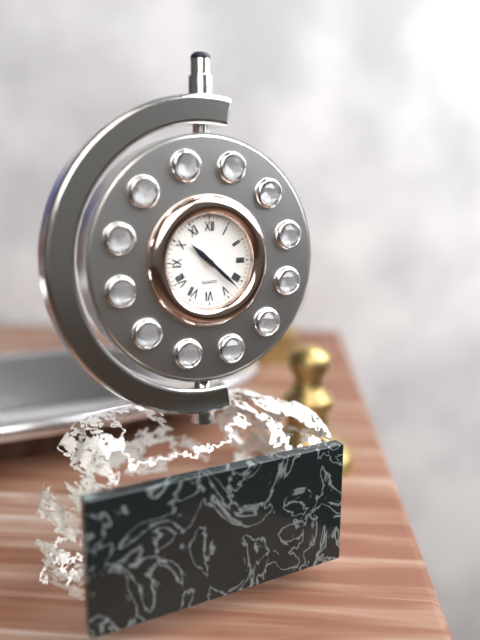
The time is 10h22
